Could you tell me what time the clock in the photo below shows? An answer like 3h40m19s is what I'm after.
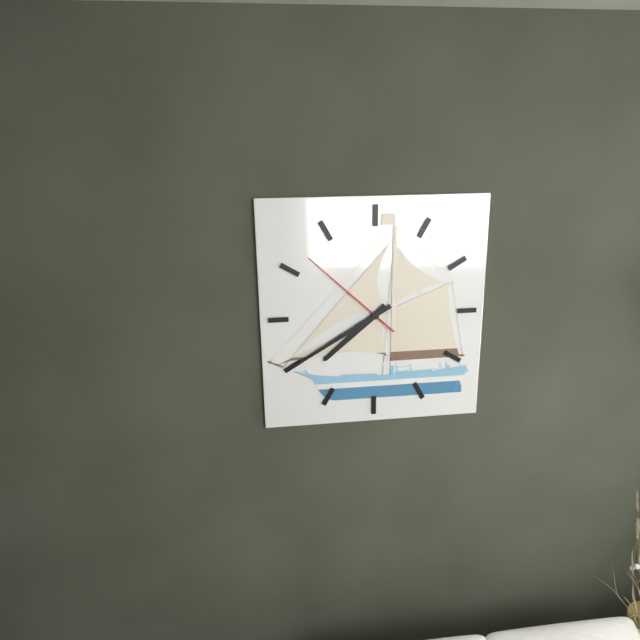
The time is 7h40m52s
